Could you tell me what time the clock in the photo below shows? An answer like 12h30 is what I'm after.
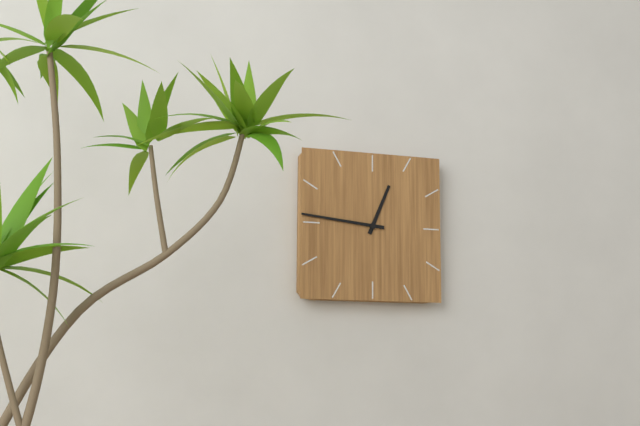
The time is 12h46
